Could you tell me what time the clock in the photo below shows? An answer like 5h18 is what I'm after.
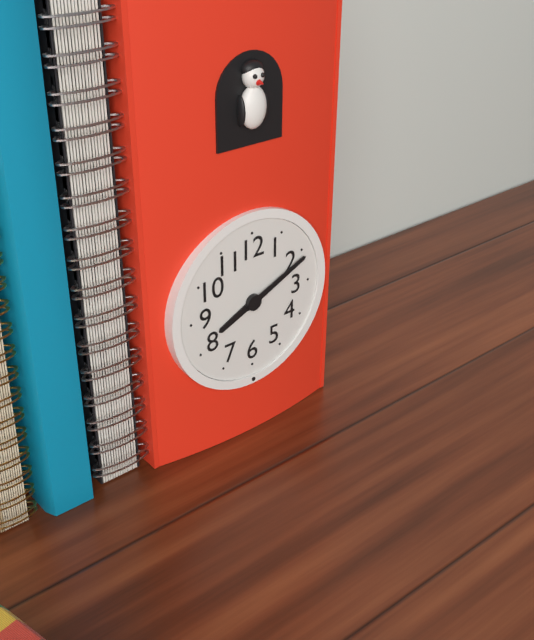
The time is 8h11
